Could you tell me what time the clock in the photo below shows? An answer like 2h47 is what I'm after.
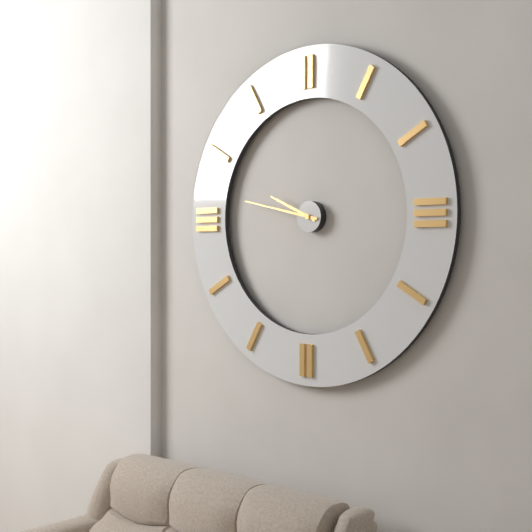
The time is 9h47
